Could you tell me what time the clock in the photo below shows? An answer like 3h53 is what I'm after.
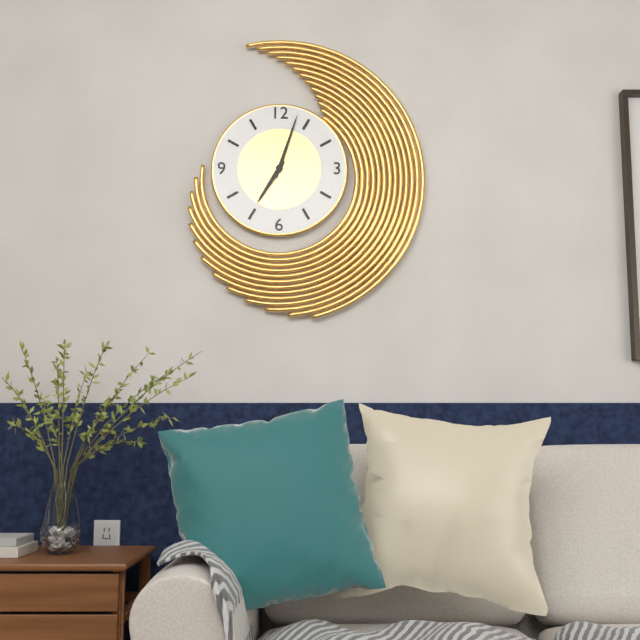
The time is 7h03
